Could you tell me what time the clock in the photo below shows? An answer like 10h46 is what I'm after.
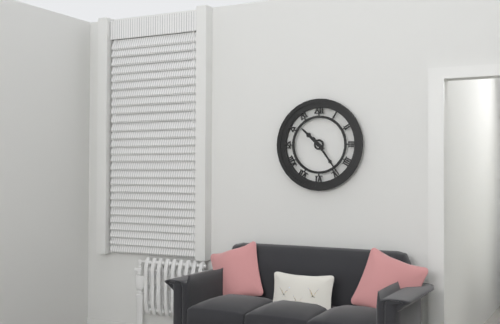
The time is 10h24
